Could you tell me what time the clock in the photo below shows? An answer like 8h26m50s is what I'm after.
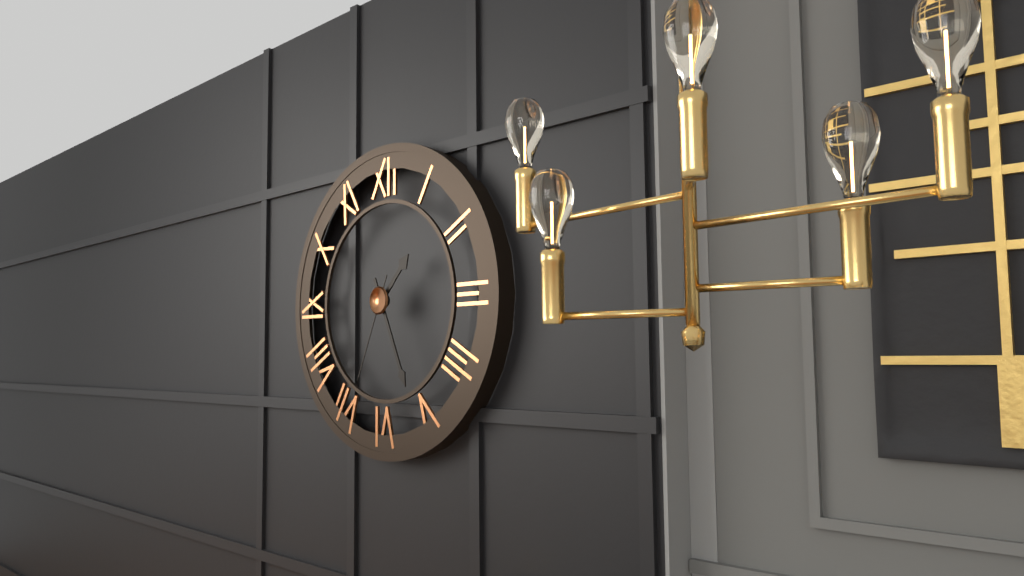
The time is 1h26m34s
